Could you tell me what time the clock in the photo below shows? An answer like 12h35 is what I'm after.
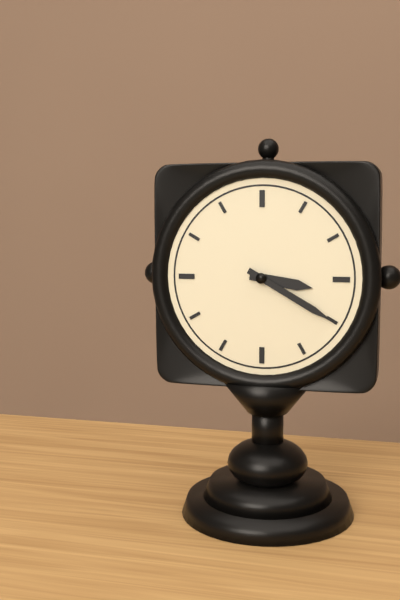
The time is 3h20
